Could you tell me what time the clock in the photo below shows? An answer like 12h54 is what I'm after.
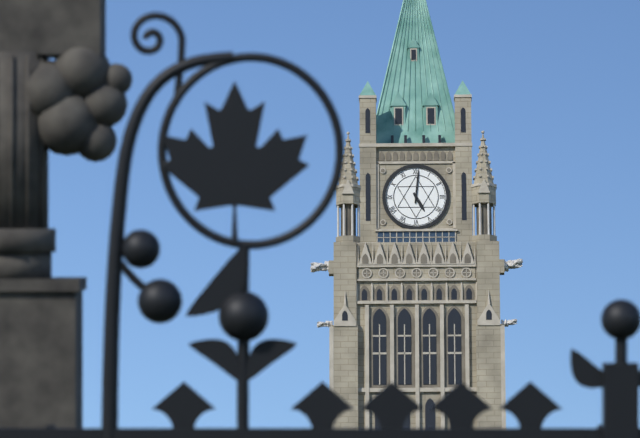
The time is 5h01
